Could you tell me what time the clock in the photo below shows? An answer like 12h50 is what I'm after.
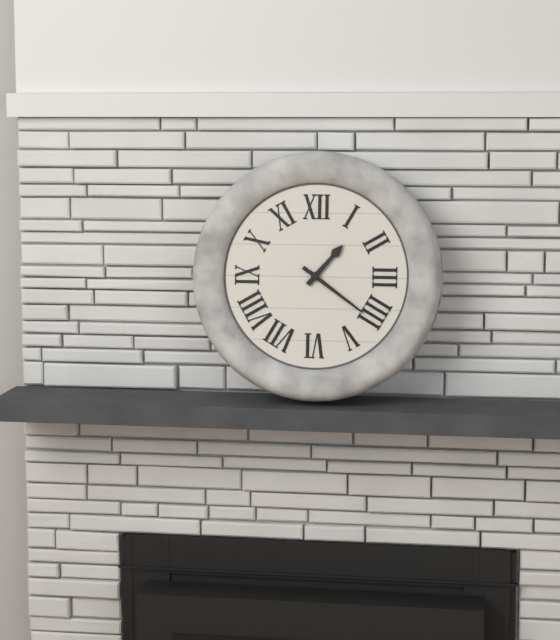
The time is 1h21
